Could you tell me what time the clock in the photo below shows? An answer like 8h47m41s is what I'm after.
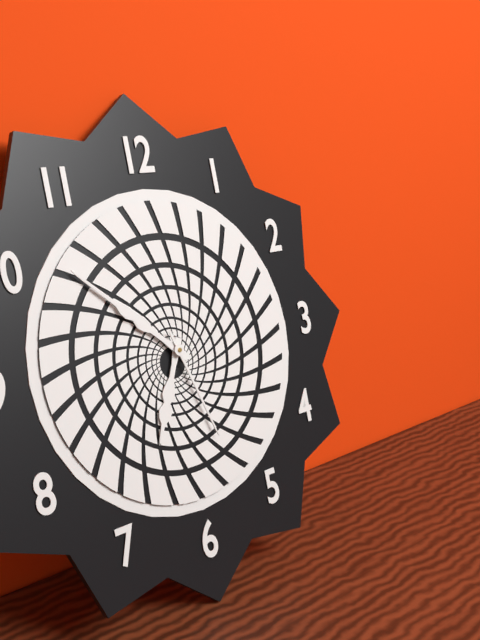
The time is 6h52m27s
